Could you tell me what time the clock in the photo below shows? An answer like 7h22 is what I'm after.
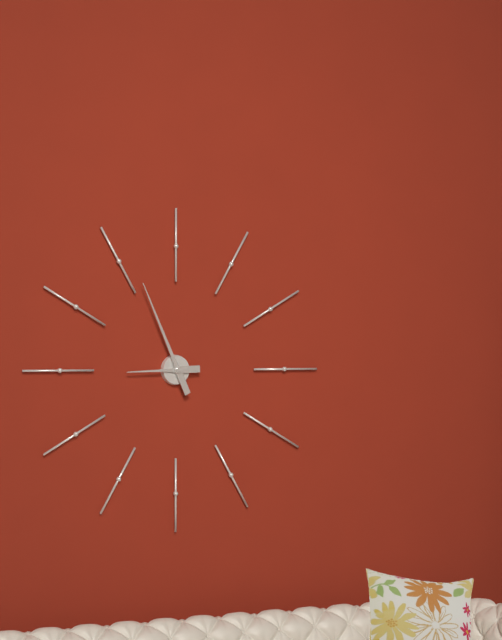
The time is 8h56
